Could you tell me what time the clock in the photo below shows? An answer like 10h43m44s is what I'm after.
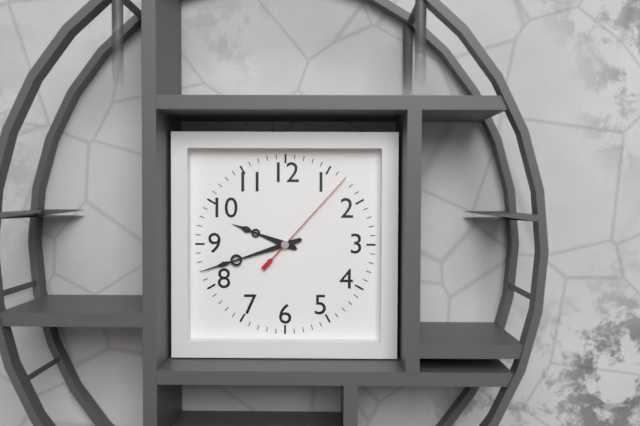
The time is 9h42m07s
